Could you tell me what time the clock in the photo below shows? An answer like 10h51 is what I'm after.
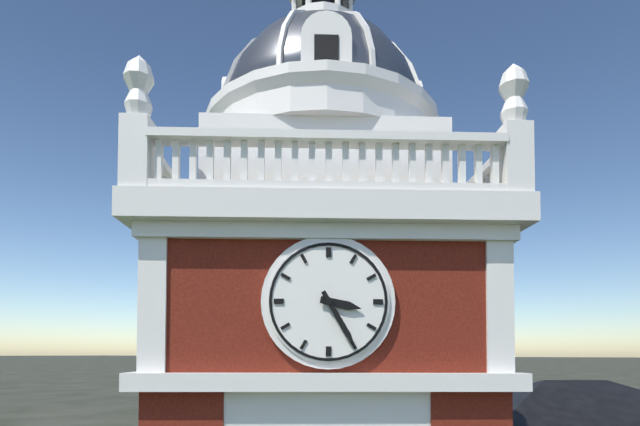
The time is 3h25
